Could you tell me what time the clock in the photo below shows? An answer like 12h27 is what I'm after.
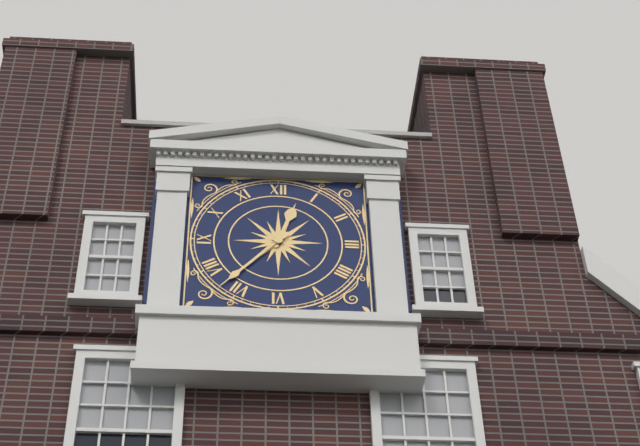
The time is 12h37
